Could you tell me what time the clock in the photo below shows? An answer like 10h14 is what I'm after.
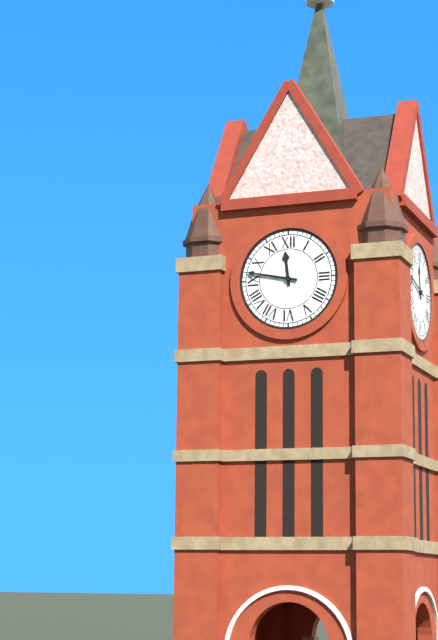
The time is 11h47
